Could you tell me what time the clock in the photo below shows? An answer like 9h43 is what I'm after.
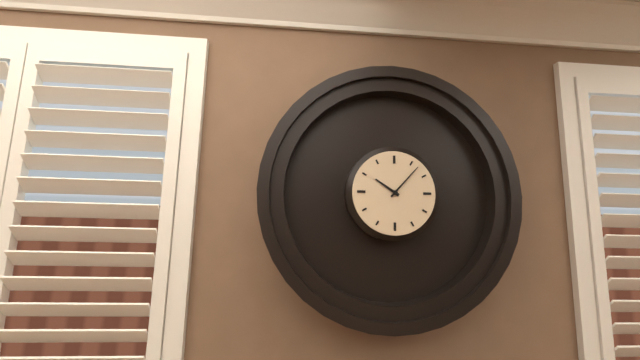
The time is 10h07
